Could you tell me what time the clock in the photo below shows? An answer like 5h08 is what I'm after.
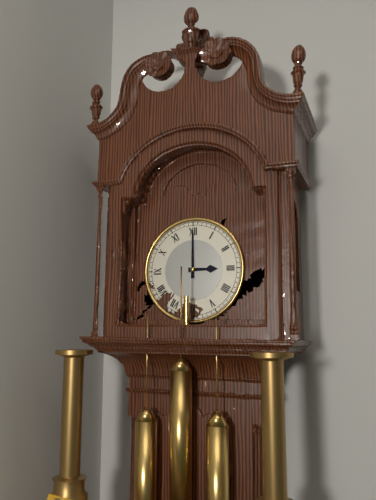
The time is 3h00
